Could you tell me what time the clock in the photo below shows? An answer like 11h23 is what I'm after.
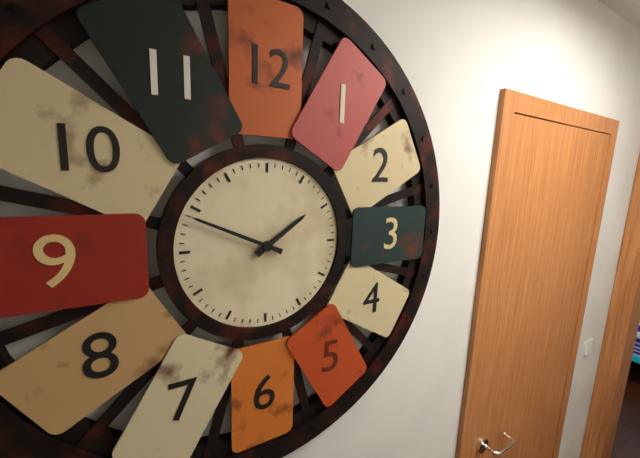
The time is 1h49
